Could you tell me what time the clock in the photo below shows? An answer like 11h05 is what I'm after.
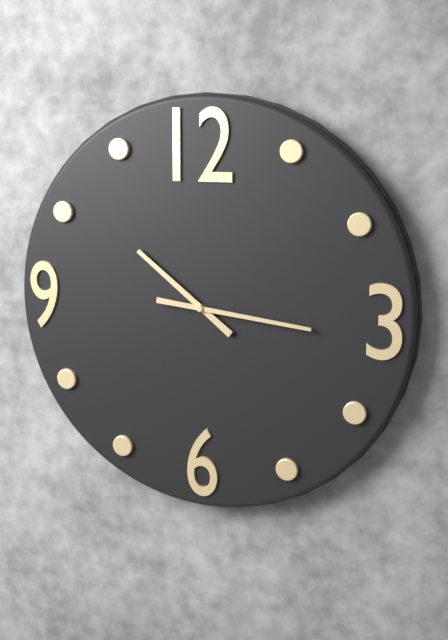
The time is 10h16
